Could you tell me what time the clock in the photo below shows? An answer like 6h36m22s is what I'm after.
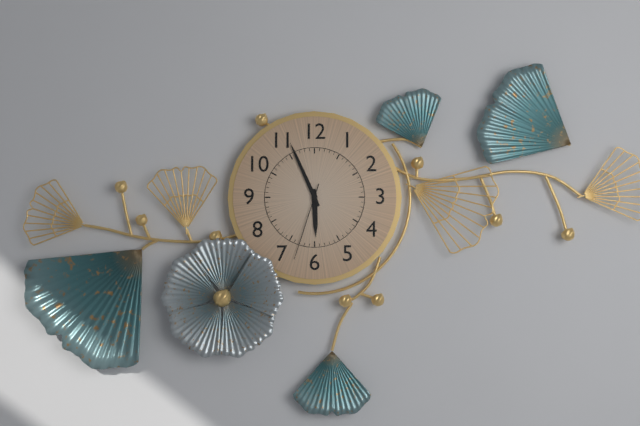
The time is 5h56m33s
